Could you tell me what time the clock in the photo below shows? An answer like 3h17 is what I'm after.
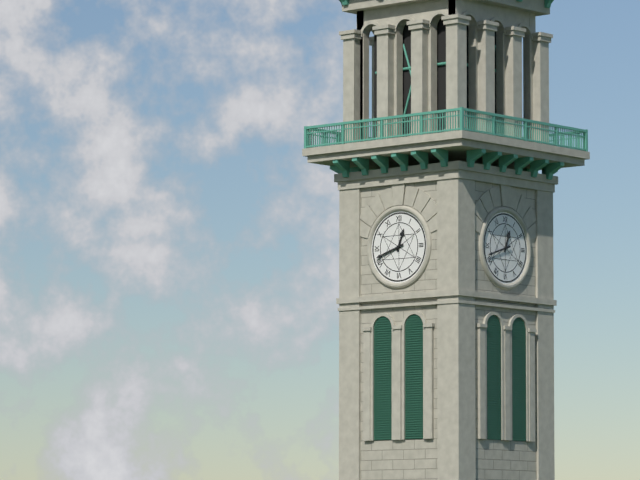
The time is 12h42
